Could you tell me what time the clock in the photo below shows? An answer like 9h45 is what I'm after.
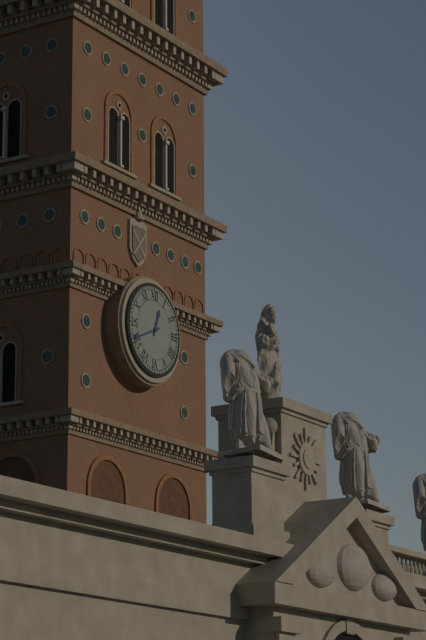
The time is 12h41
